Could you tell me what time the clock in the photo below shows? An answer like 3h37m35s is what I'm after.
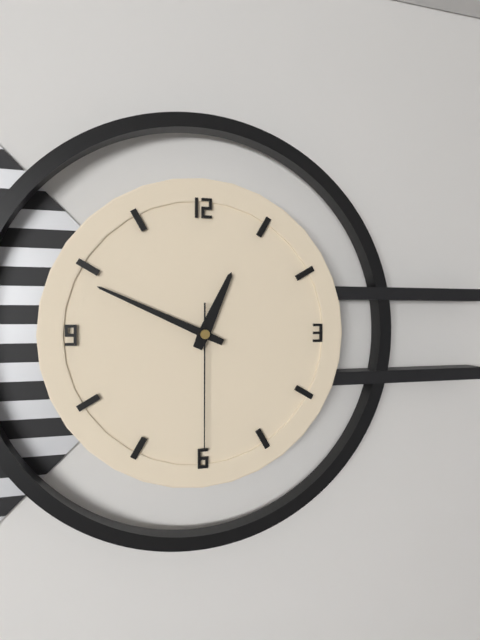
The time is 12h49m30s
